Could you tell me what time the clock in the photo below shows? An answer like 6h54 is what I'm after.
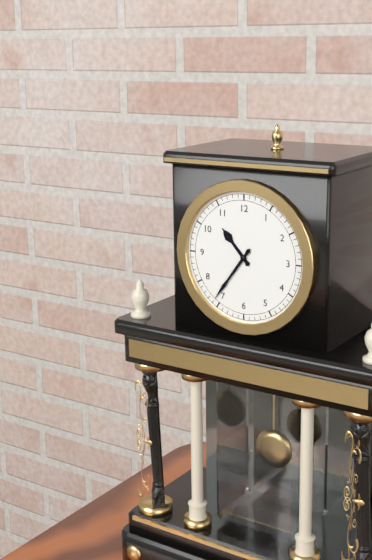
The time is 10h36
